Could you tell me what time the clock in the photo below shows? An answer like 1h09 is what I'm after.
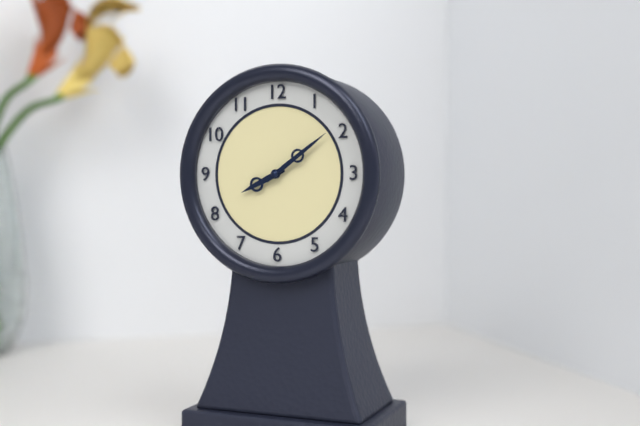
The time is 8h09
